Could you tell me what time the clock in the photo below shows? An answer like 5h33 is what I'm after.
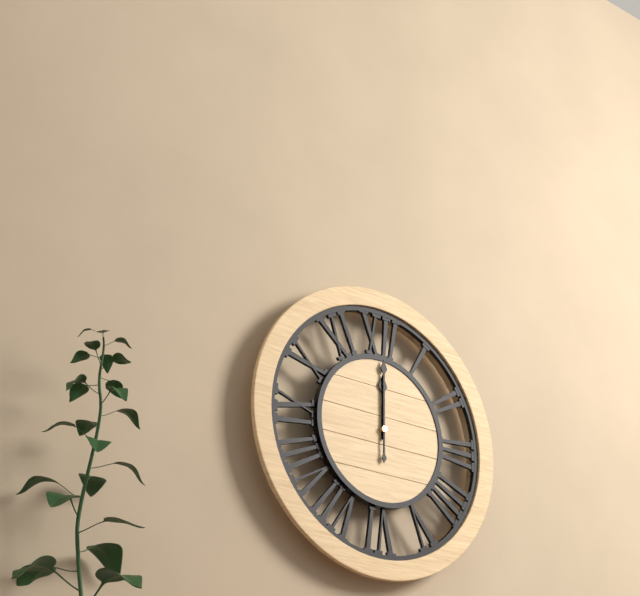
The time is 12h00
